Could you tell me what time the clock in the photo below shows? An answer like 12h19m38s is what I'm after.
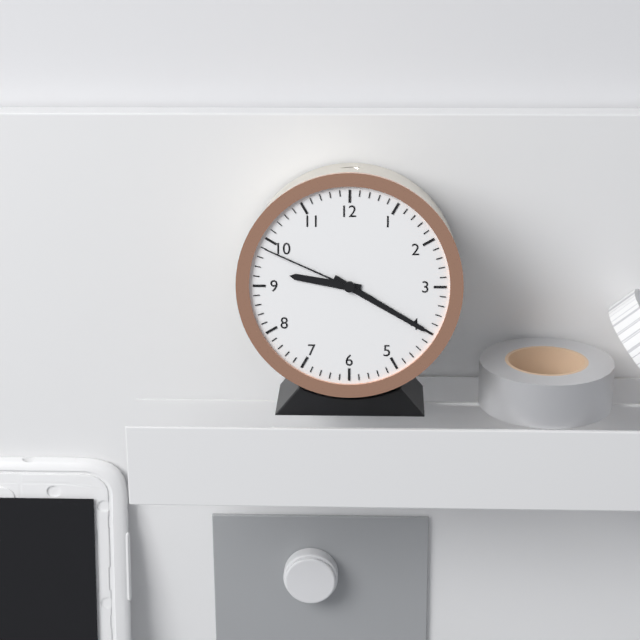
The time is 9h20m49s
